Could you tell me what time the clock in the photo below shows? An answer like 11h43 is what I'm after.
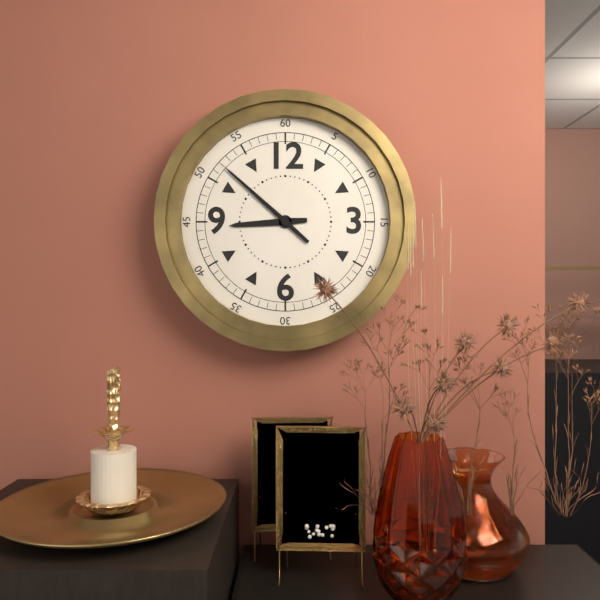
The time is 8h52
